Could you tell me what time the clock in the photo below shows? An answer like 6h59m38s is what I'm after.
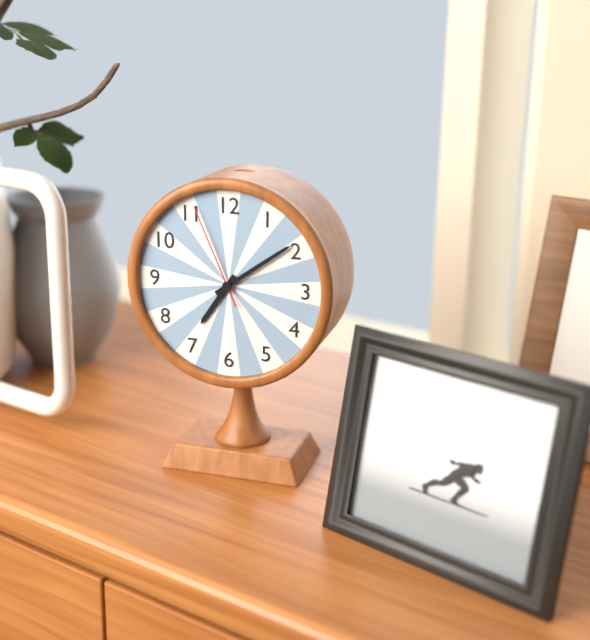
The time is 7h09m56s
